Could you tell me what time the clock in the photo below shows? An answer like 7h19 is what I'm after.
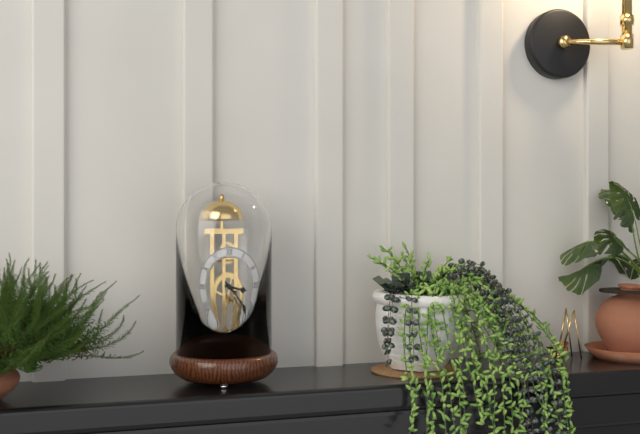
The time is 3h22
